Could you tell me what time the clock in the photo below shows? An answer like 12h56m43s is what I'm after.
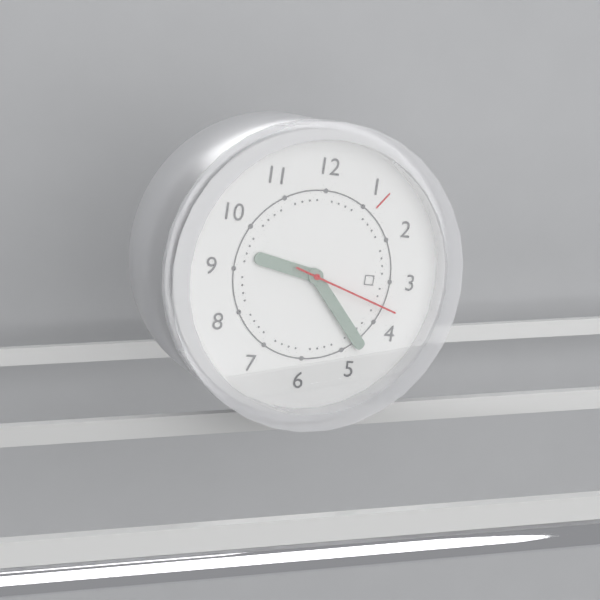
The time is 9h23m18s
